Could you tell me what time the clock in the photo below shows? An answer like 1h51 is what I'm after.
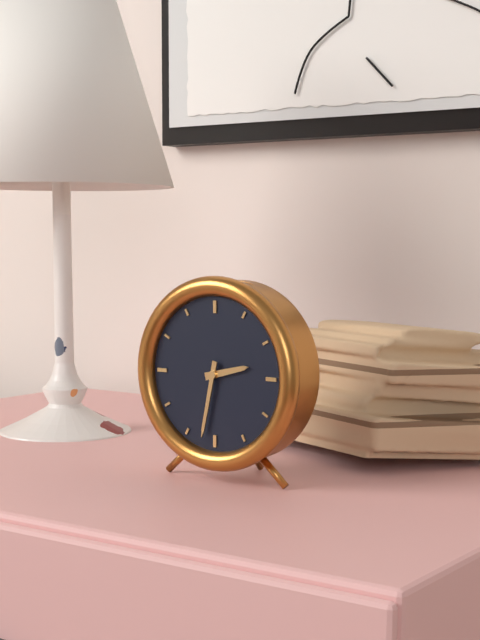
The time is 2h32
